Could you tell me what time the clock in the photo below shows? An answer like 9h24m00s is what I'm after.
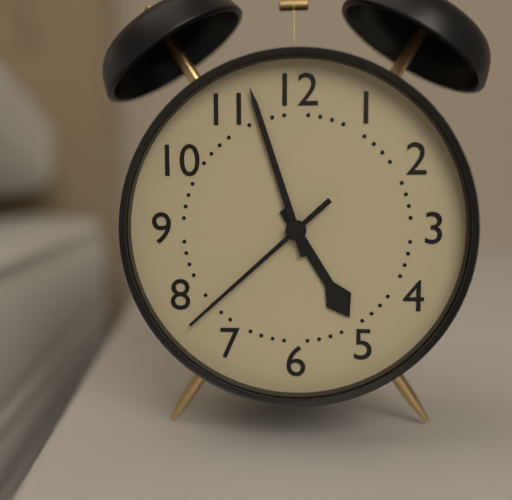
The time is 4h57m38s
